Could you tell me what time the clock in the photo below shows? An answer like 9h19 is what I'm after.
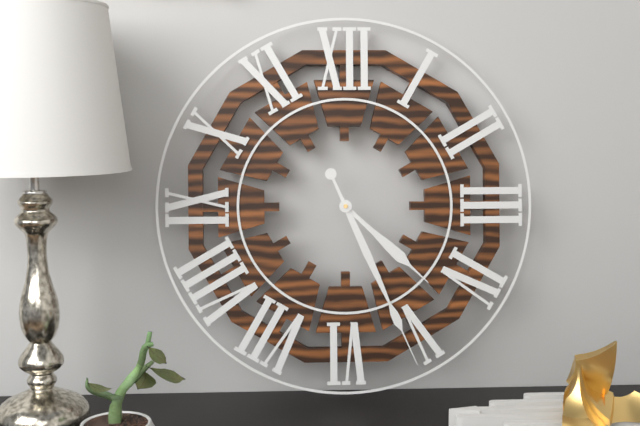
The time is 4h26
